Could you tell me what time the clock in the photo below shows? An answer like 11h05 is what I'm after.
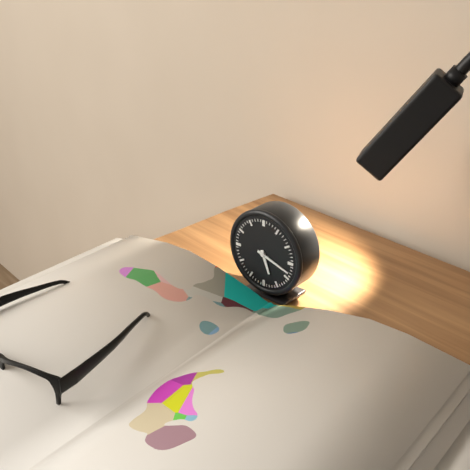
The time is 5h18
